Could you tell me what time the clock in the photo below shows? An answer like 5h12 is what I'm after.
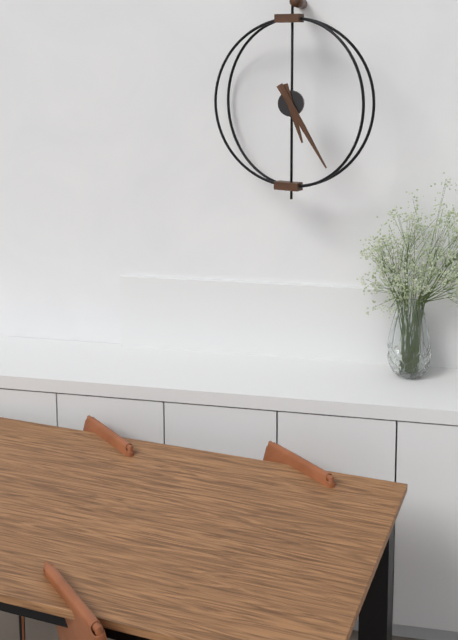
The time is 5h25
